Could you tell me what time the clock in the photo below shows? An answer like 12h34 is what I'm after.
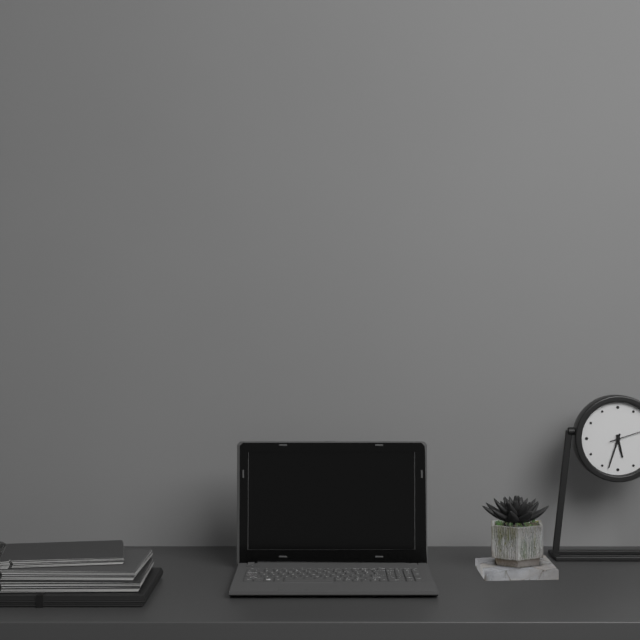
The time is 5h33
